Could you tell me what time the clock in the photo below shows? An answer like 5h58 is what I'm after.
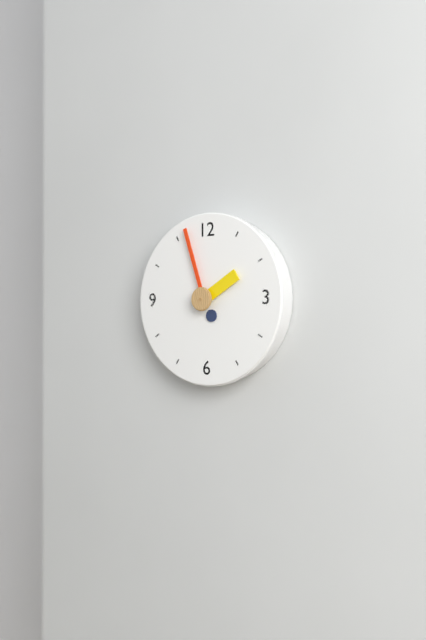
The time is 1h57
